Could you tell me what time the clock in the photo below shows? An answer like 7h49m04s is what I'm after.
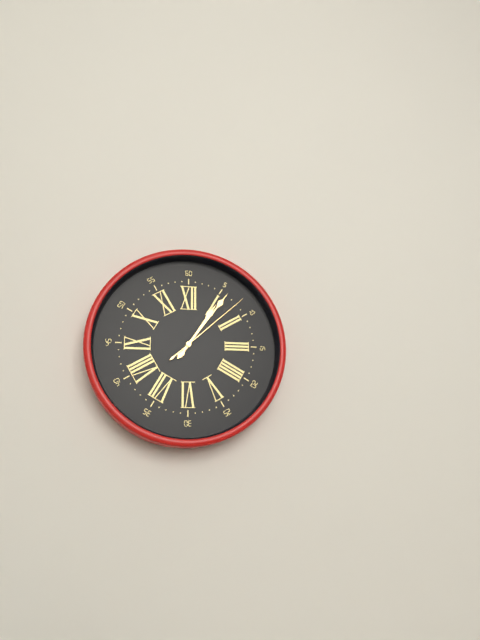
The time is 1h06m08s
